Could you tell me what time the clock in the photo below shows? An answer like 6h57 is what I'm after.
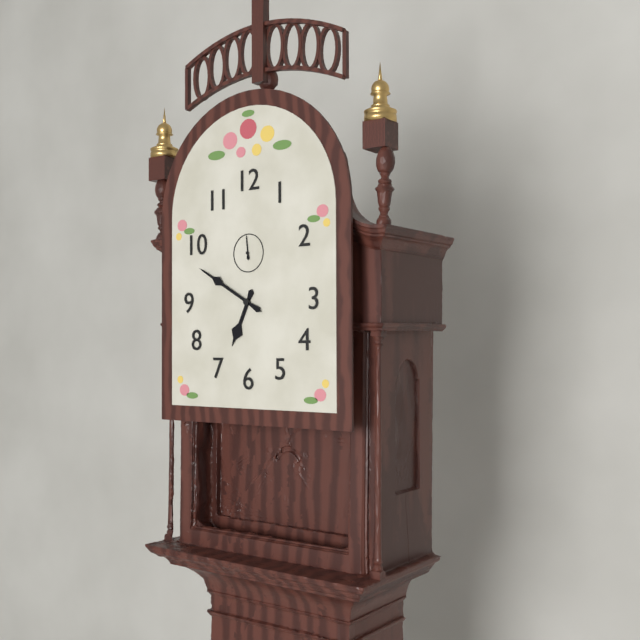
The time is 6h50
